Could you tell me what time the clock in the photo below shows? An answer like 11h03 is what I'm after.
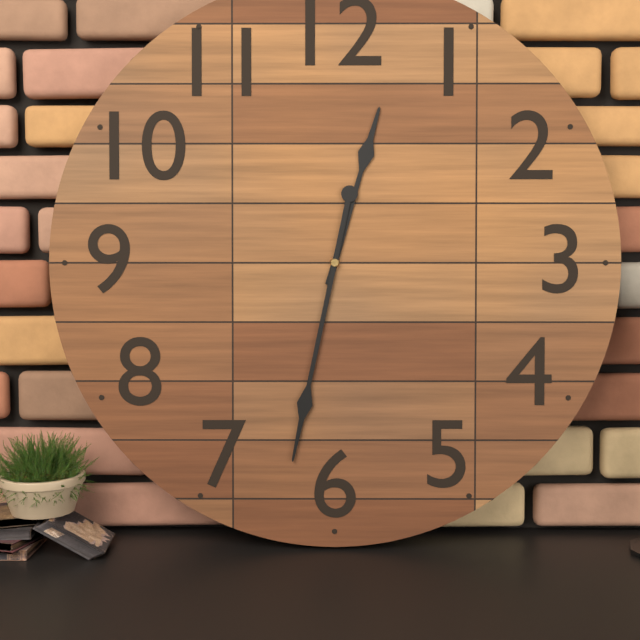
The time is 12h32
